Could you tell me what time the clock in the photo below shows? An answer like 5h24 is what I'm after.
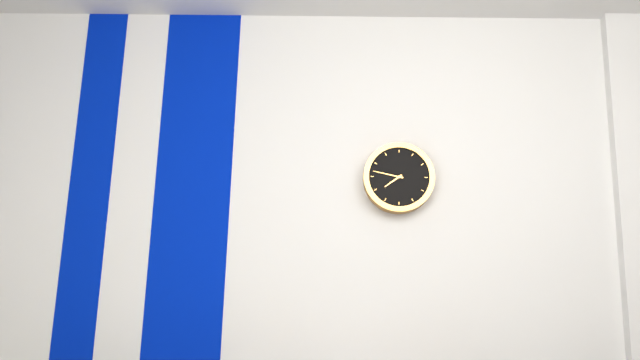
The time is 7h47
